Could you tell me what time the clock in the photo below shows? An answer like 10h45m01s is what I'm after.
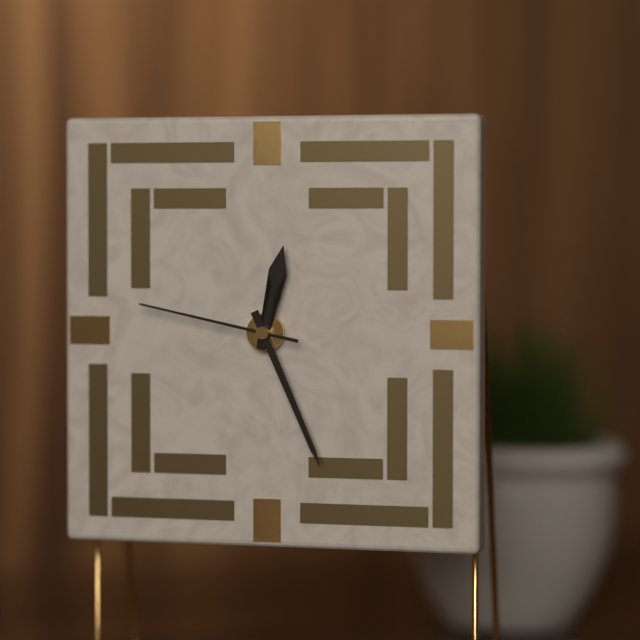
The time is 12h26m47s
